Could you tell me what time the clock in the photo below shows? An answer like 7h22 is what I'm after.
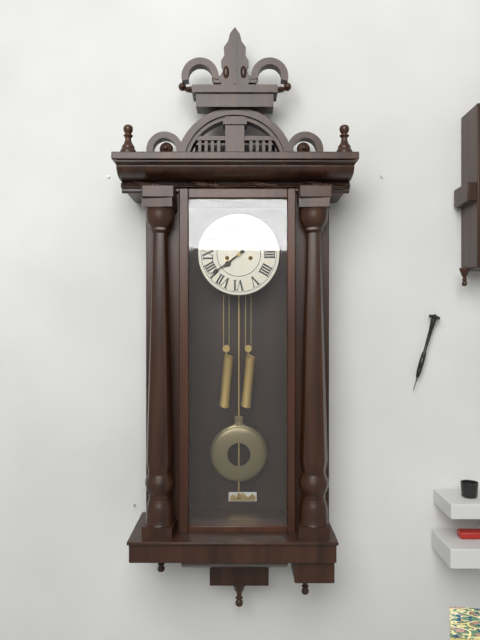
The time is 7h39
